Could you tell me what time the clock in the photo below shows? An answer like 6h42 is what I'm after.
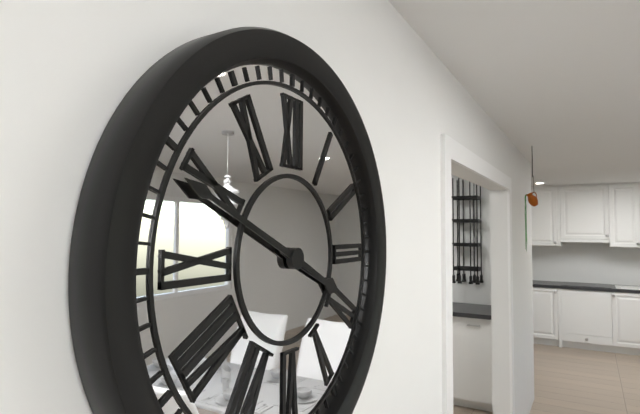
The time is 3h49
